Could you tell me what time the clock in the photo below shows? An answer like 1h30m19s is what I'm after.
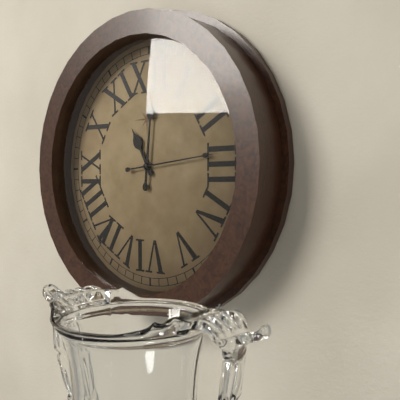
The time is 11h01m14s
